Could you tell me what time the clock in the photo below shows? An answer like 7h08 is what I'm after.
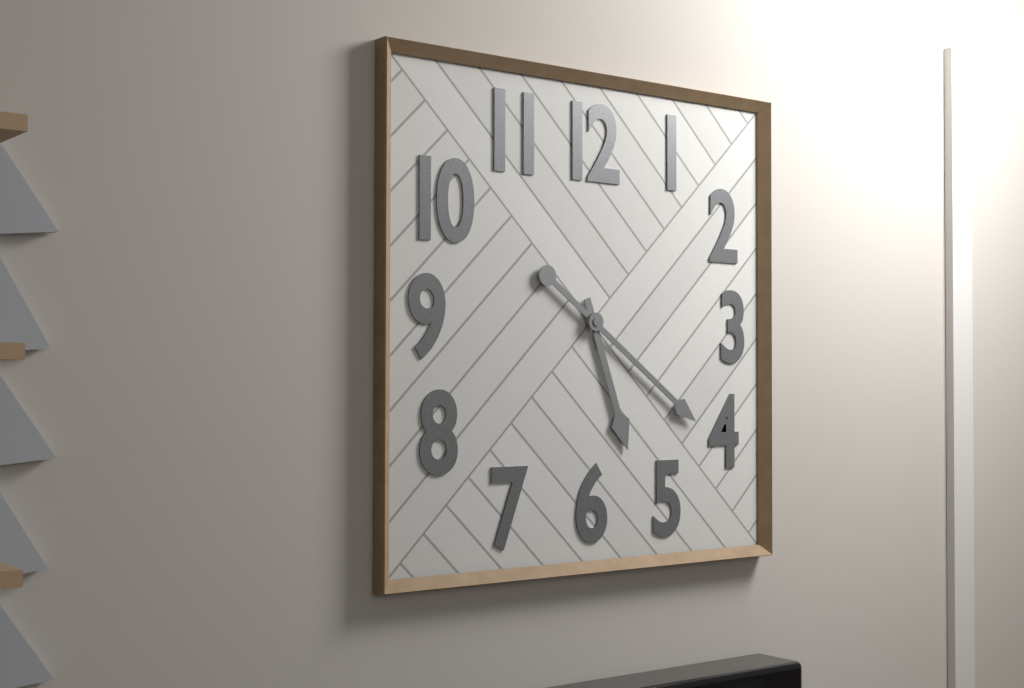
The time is 5h21
